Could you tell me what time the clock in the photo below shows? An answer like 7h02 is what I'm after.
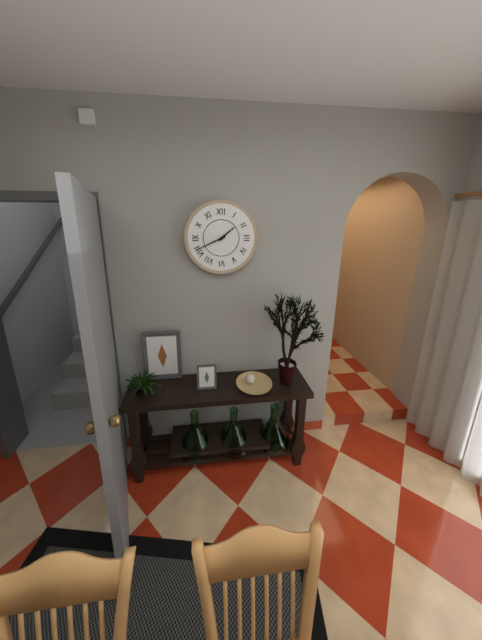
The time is 1h41
